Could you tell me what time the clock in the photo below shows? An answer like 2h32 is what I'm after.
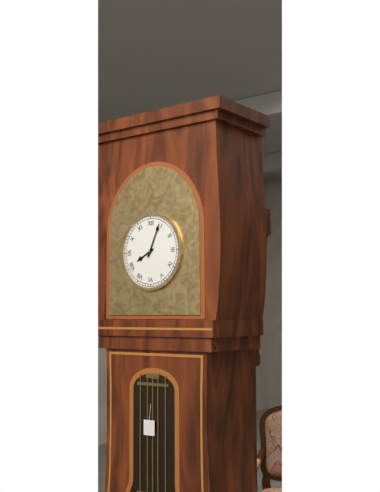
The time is 8h04
